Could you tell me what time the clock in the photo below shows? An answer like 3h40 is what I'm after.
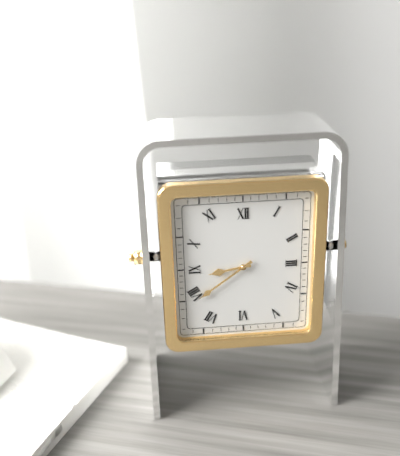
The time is 8h39
